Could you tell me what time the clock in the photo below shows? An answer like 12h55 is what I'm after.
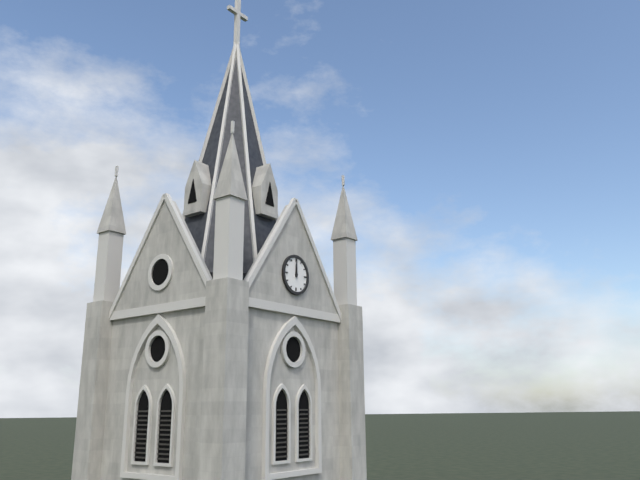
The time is 12h00
